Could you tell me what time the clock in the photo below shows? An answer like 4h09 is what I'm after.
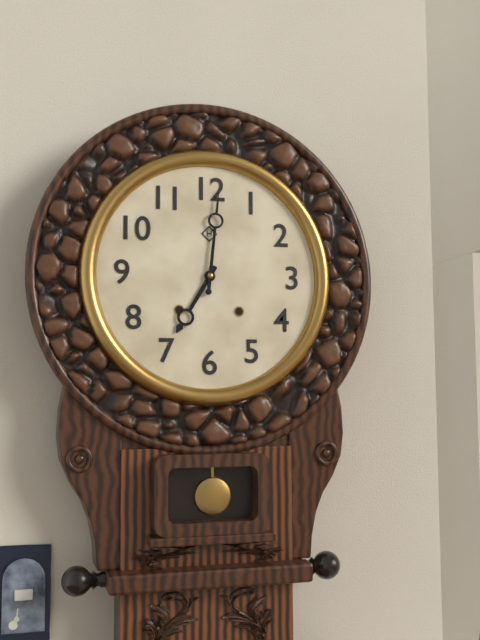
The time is 7h01
